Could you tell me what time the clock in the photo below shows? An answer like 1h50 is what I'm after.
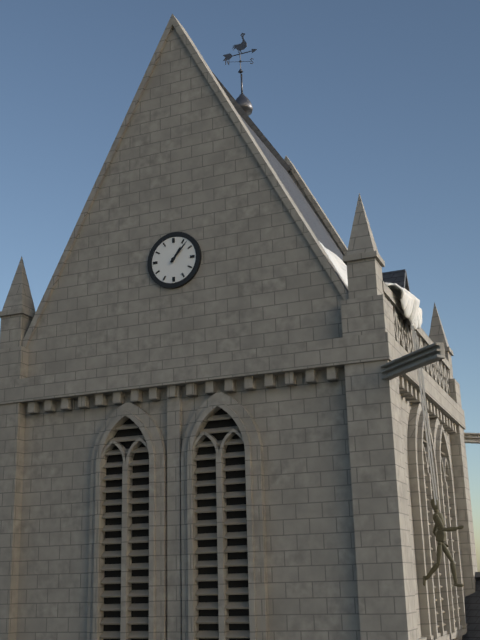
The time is 1h07
